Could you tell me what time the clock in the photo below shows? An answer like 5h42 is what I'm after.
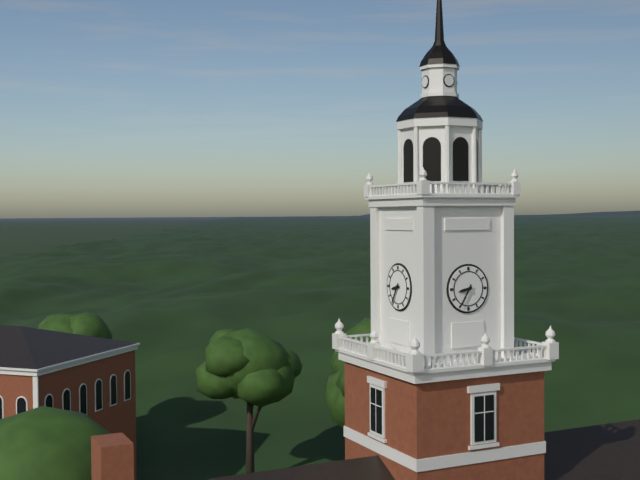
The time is 8h35
